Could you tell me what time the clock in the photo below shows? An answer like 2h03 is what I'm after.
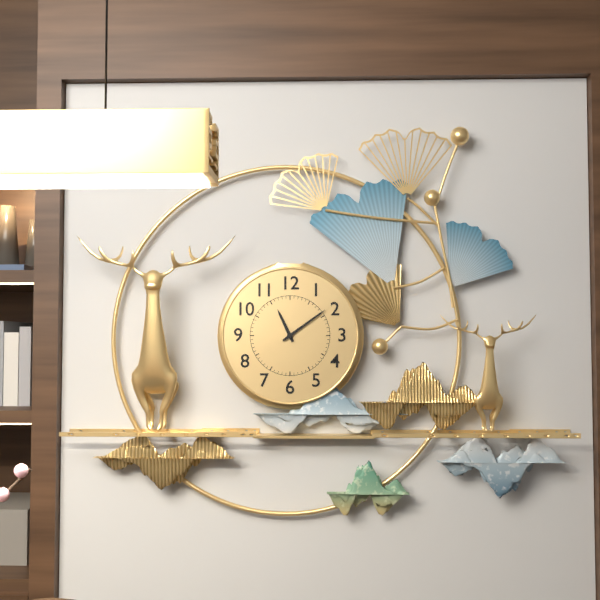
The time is 11h09
